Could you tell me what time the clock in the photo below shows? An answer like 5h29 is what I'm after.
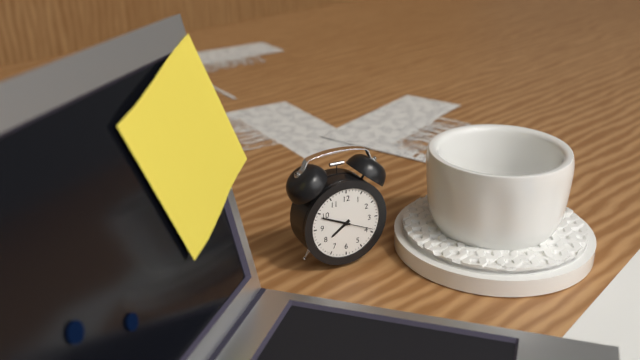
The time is 7h49
